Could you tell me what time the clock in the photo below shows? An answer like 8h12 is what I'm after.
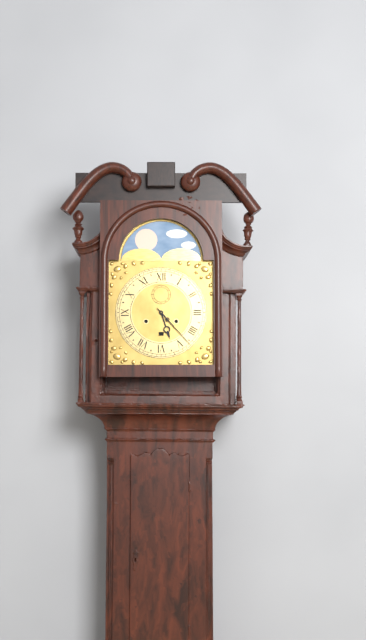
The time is 5h23
